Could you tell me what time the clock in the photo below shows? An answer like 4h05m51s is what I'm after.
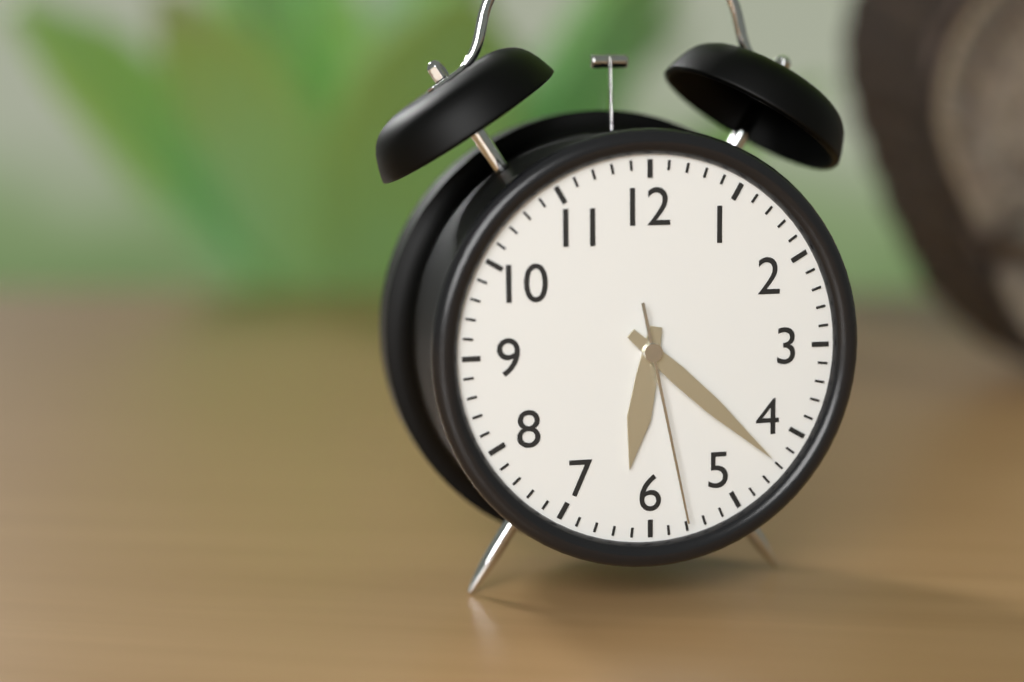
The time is 6h22m28s
